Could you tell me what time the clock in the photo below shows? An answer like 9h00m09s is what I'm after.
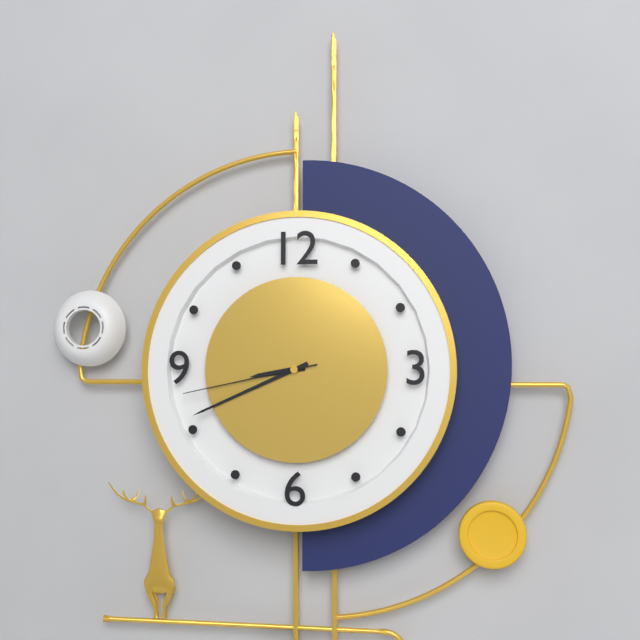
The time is 8h41m43s
